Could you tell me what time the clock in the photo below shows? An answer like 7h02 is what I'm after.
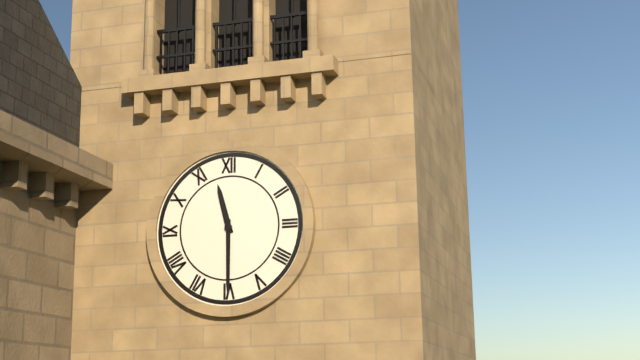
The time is 11h30
